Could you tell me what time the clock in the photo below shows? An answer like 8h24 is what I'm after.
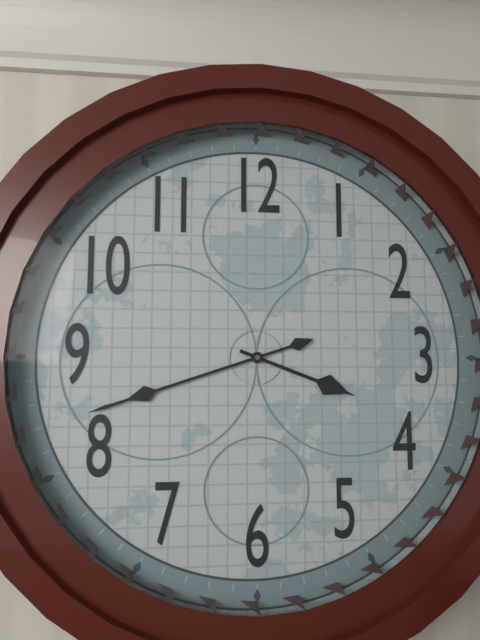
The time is 3h42
